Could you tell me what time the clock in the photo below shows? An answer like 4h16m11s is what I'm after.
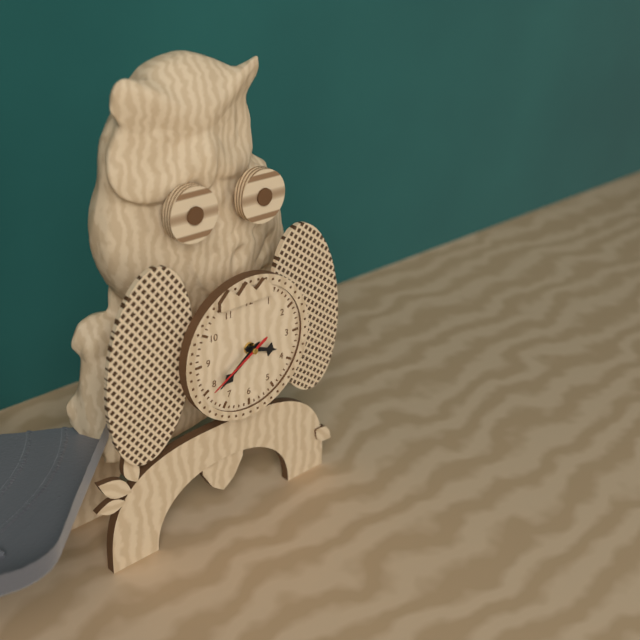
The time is 3h39m40s
